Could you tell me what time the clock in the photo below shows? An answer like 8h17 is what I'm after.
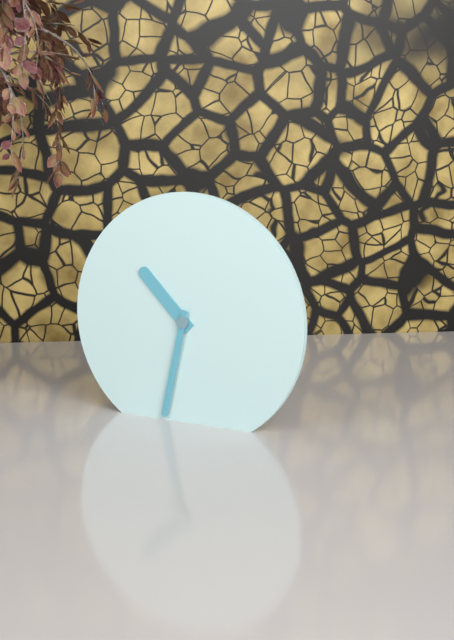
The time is 10h32
